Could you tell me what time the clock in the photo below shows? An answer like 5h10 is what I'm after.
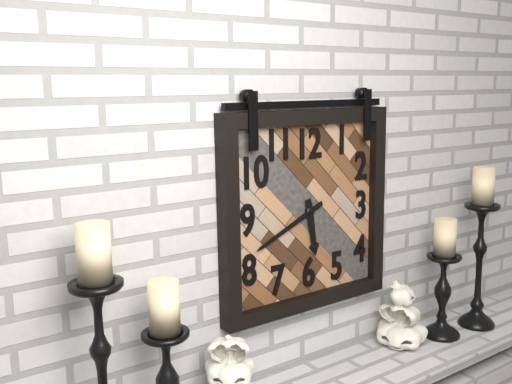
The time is 5h41
